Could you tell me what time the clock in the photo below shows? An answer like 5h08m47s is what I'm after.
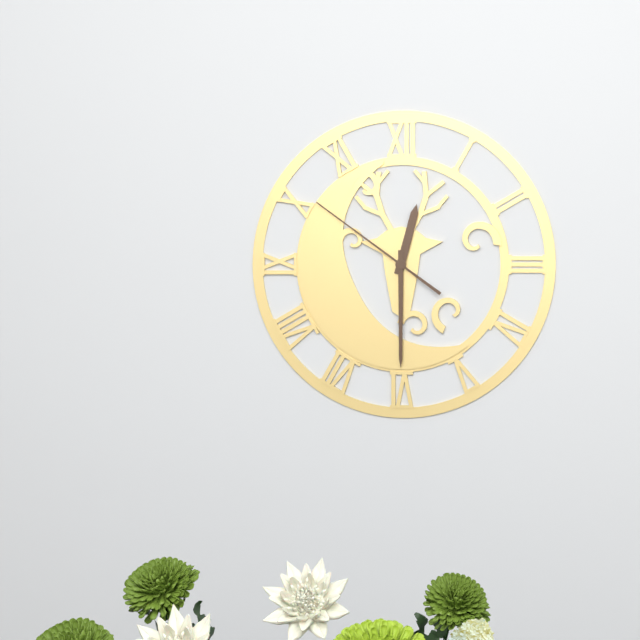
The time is 12h30m51s
